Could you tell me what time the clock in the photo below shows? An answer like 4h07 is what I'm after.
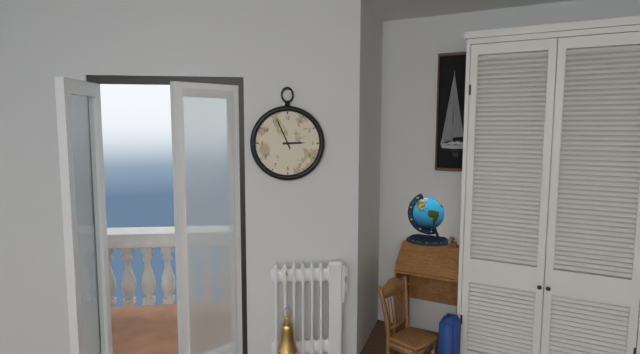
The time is 2h56
